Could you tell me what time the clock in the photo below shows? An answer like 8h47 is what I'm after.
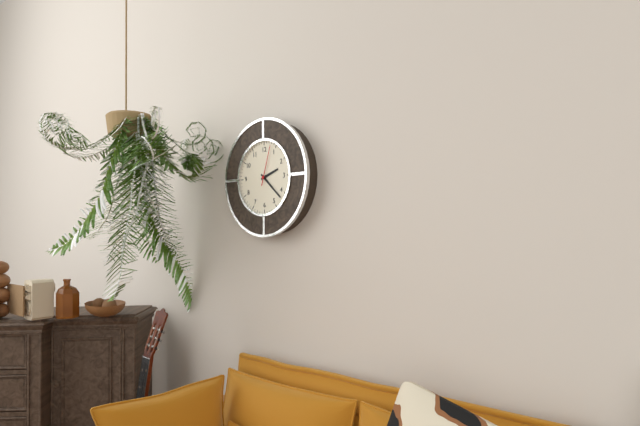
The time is 2h22
